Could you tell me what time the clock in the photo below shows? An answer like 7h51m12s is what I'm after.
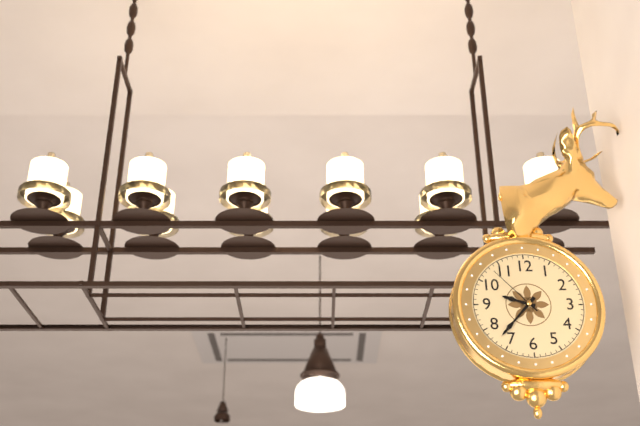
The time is 9h37m53s
